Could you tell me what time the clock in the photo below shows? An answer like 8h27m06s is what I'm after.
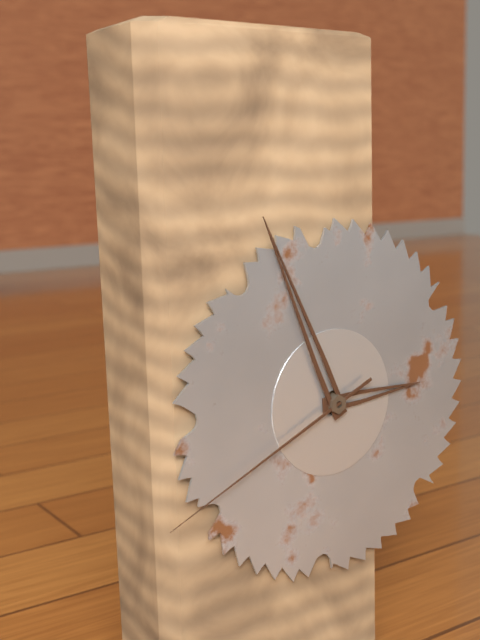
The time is 2h56m41s
